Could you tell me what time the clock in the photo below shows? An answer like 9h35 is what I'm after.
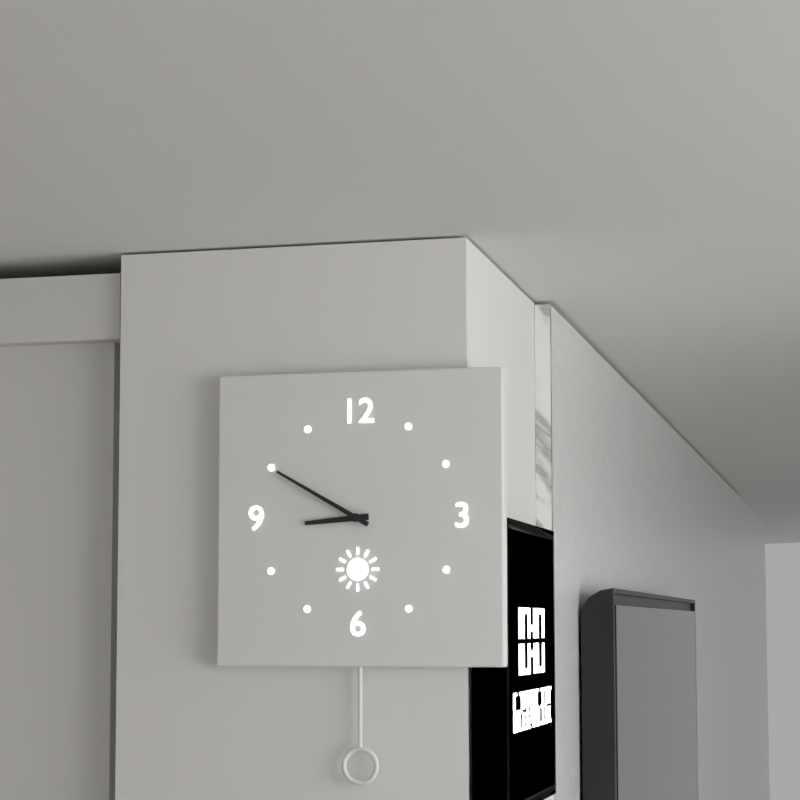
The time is 8h50
